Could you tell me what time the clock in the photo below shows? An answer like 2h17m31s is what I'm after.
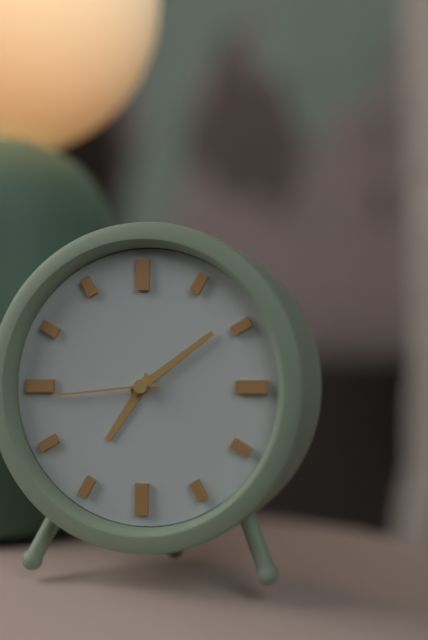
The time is 7h09m44s
